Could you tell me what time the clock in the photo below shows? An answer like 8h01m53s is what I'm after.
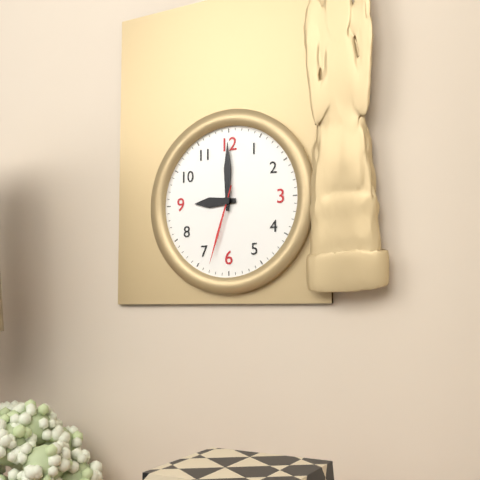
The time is 9h00m33s
